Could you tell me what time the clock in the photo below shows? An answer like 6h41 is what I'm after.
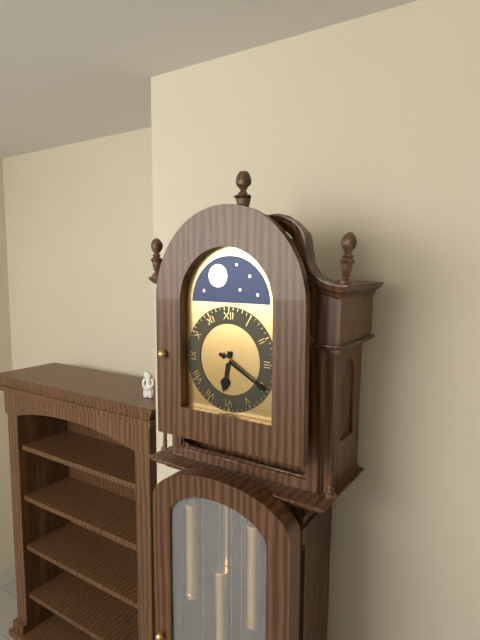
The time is 6h20
